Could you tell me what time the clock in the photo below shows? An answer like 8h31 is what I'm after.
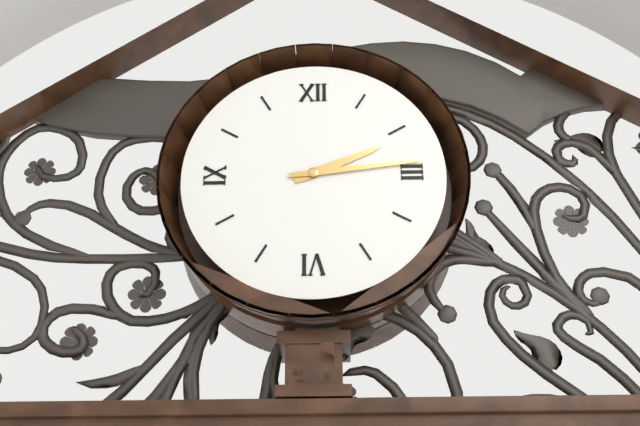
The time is 2h14
